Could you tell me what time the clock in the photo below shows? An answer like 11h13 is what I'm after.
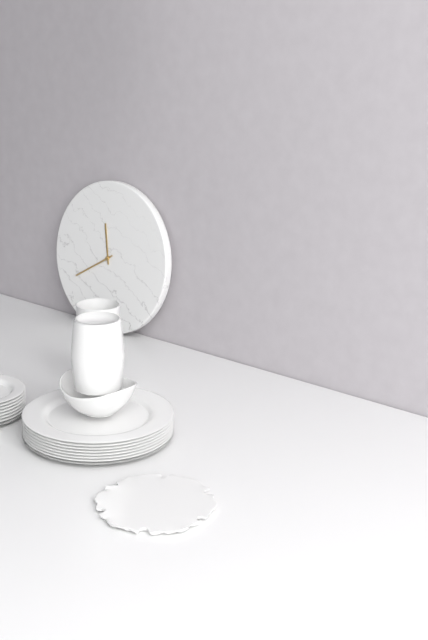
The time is 11h40
